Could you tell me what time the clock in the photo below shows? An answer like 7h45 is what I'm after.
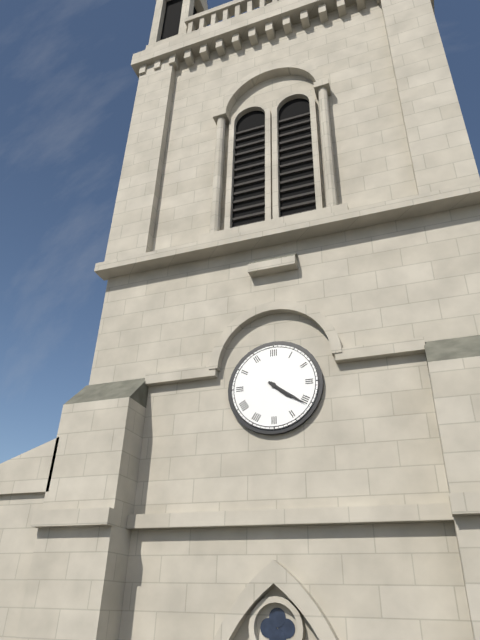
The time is 4h21
